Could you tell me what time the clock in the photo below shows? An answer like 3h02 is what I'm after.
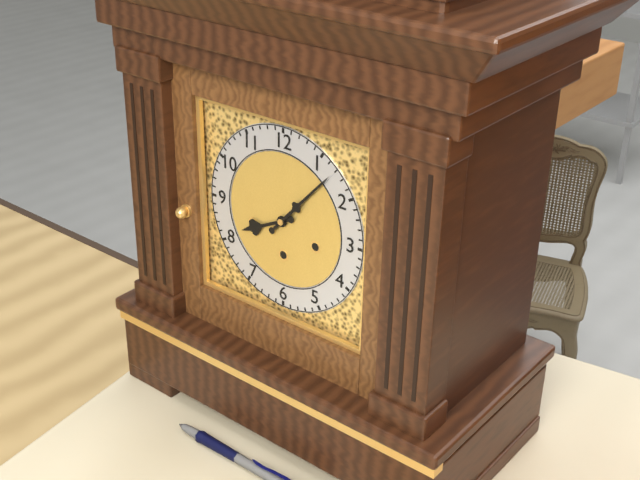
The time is 8h07
